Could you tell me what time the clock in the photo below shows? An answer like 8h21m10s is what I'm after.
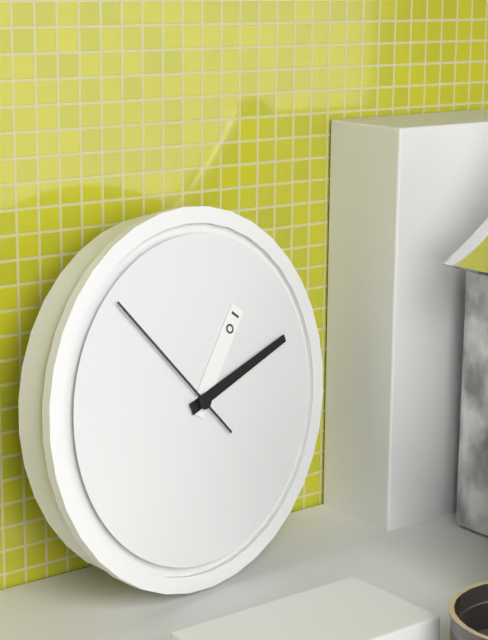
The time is 1h12m53s
